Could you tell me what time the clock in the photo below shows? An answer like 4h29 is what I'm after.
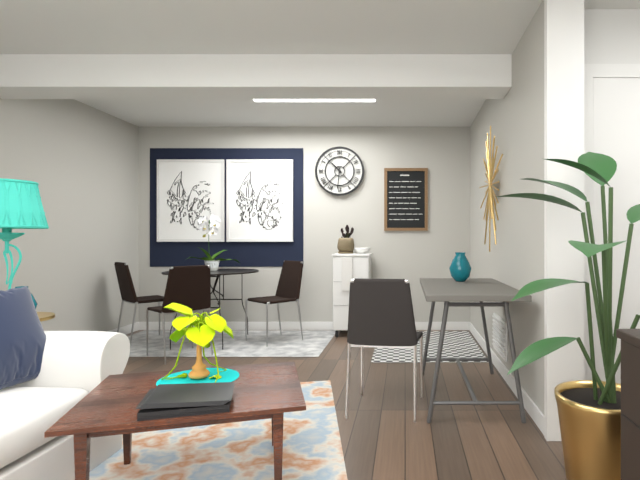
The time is 10h31
